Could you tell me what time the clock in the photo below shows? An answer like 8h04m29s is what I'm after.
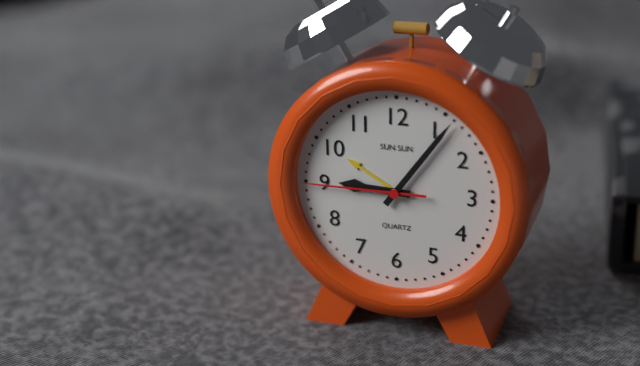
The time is 9h06m45s
